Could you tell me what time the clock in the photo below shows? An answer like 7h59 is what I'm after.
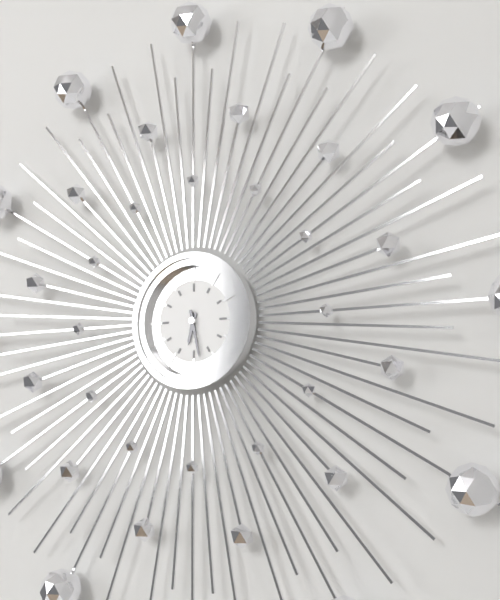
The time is 6h28
